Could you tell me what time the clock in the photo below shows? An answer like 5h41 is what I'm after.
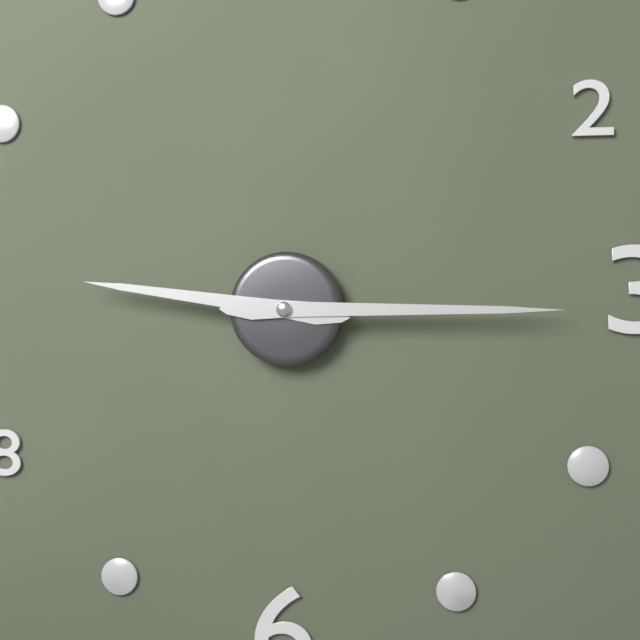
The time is 9h15
